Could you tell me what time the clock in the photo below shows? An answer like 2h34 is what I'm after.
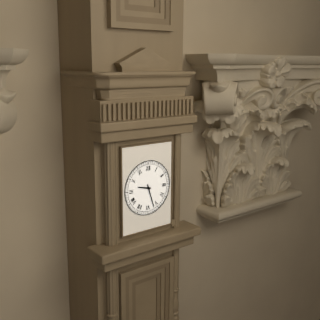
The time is 9h27
